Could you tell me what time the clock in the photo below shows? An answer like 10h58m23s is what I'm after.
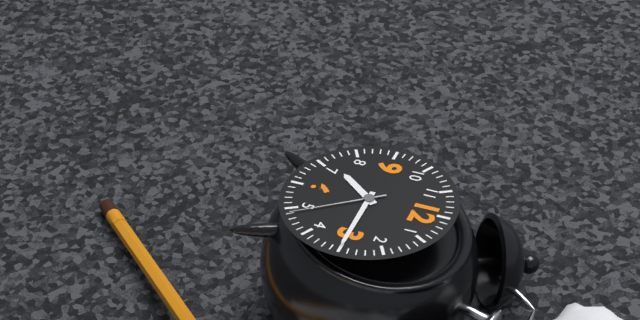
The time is 7h15m24s
